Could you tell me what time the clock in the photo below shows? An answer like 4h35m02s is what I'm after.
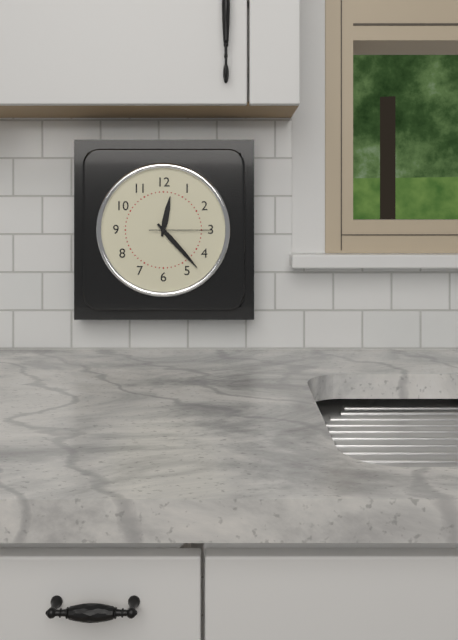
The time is 12h23m15s
